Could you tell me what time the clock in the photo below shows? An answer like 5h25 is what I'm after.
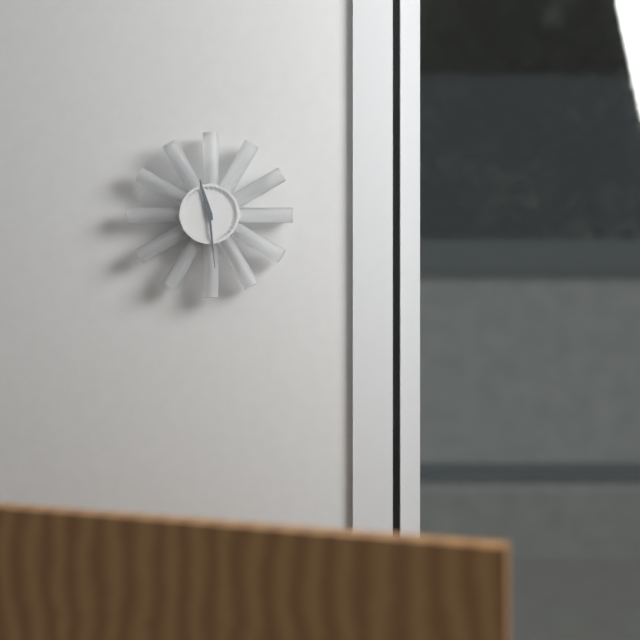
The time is 11h29
